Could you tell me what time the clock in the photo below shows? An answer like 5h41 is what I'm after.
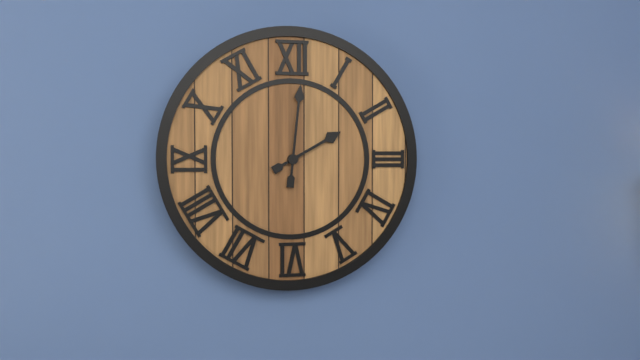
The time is 2h01
